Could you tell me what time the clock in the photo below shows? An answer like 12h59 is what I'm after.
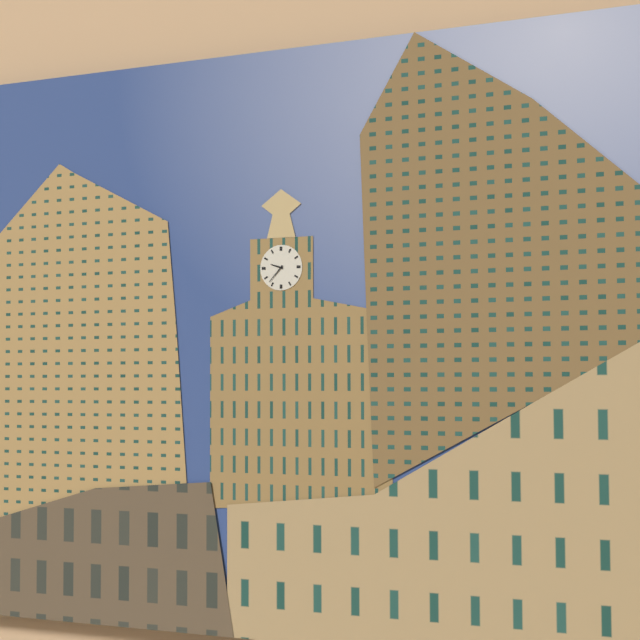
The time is 9h37
